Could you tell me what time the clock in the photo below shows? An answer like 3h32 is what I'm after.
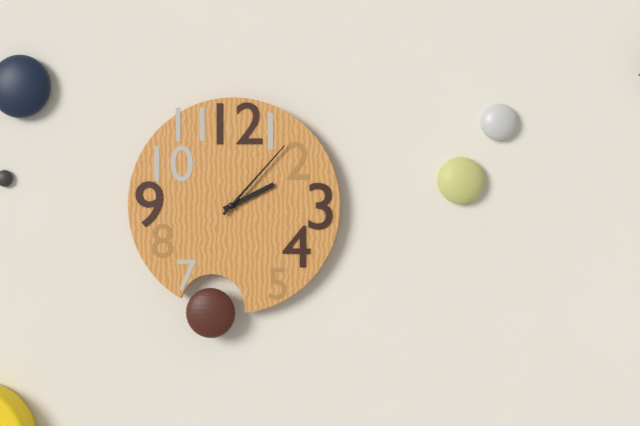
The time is 2h07
